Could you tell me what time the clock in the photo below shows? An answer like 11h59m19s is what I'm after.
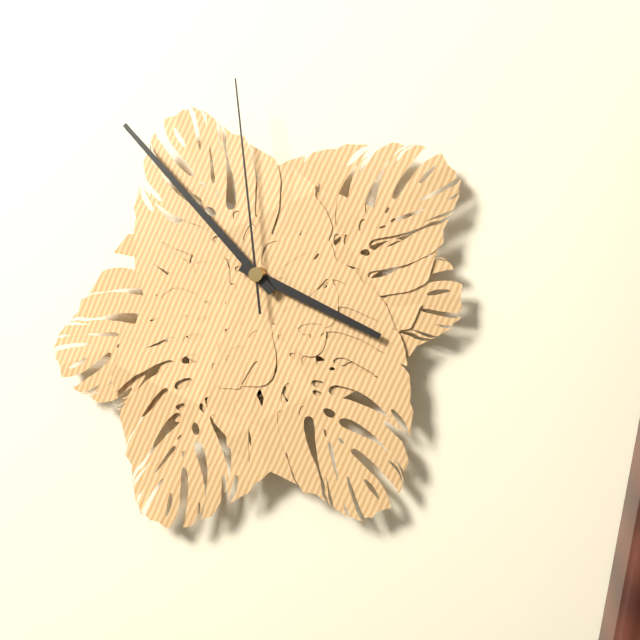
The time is 3h53m59s
